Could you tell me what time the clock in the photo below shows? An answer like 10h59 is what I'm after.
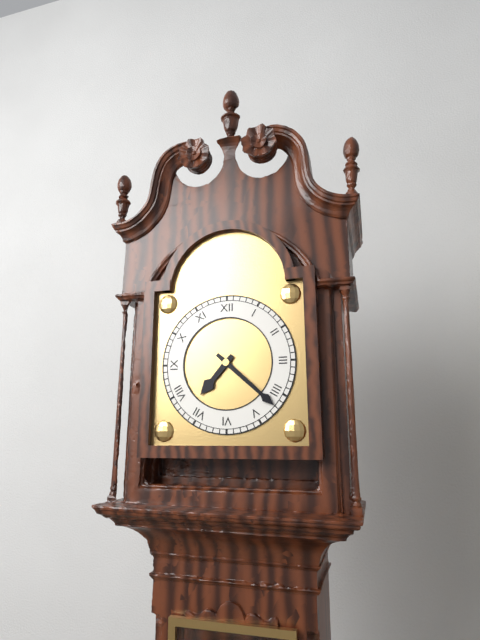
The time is 7h22
